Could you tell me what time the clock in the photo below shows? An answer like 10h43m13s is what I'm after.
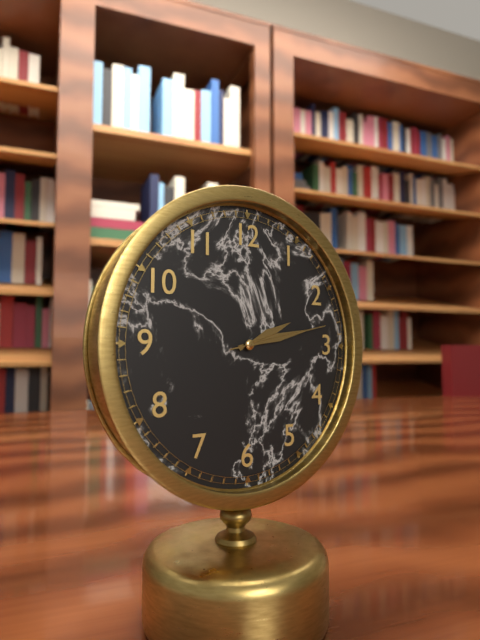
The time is 2h13m13s
